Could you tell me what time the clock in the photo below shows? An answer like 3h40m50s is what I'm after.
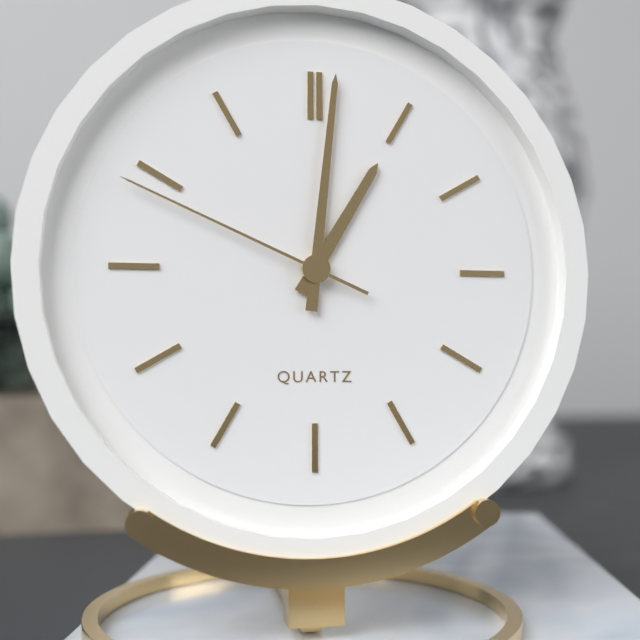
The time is 1h01m49s
